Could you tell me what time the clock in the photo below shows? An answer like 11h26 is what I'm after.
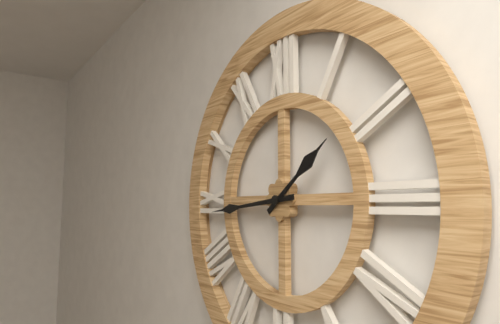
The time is 1h44
